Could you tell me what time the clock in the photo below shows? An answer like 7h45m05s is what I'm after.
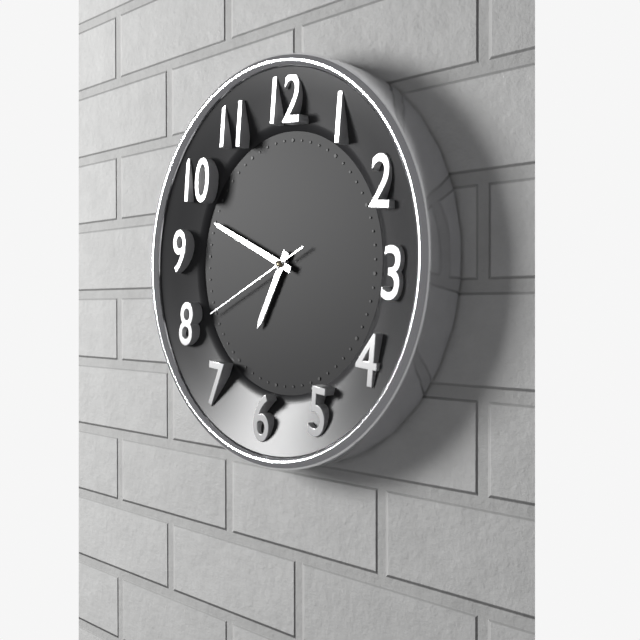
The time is 6h48m40s
